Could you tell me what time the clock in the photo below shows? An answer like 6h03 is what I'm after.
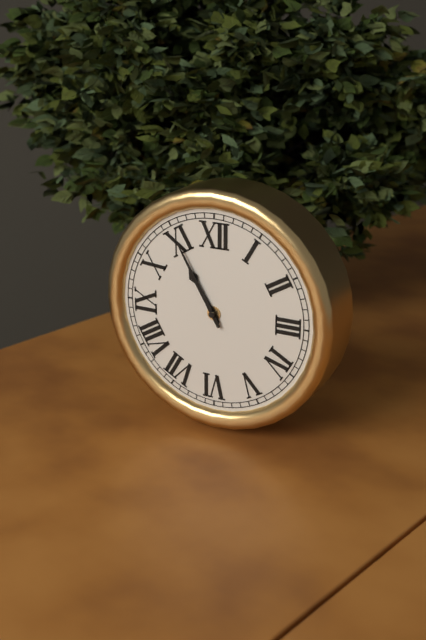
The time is 10h55
